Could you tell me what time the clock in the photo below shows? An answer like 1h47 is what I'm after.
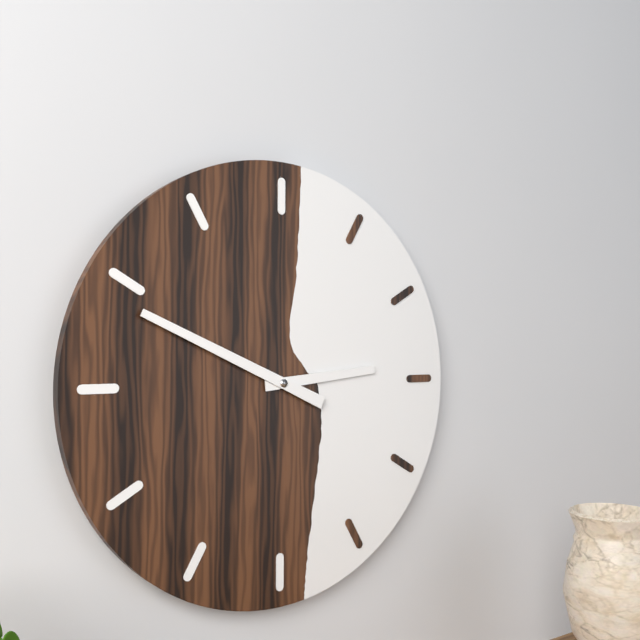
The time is 2h49
